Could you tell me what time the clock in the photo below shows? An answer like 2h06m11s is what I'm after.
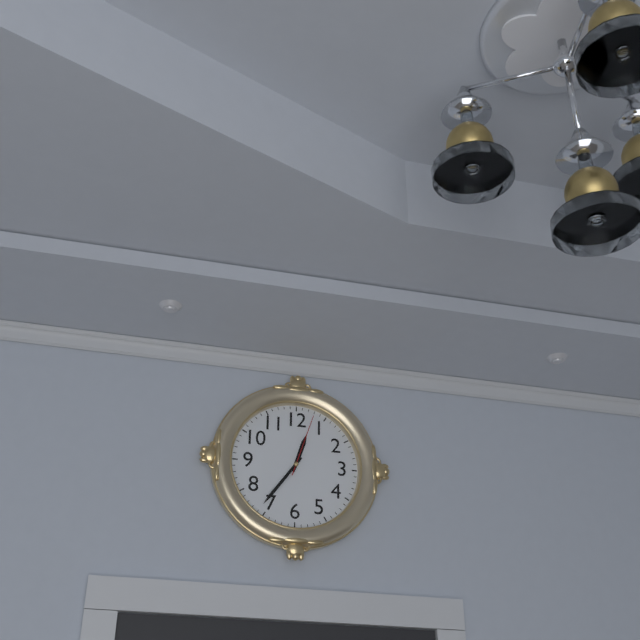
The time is 12h36m03s
